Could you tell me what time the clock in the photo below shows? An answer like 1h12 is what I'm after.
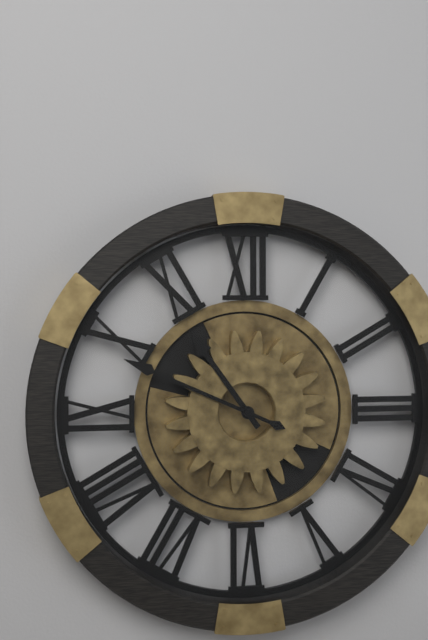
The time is 10h49
